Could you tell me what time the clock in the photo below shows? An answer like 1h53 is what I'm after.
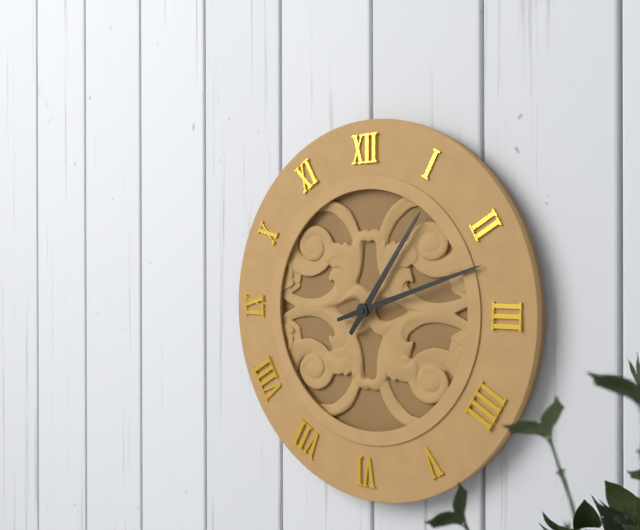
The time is 1h12
